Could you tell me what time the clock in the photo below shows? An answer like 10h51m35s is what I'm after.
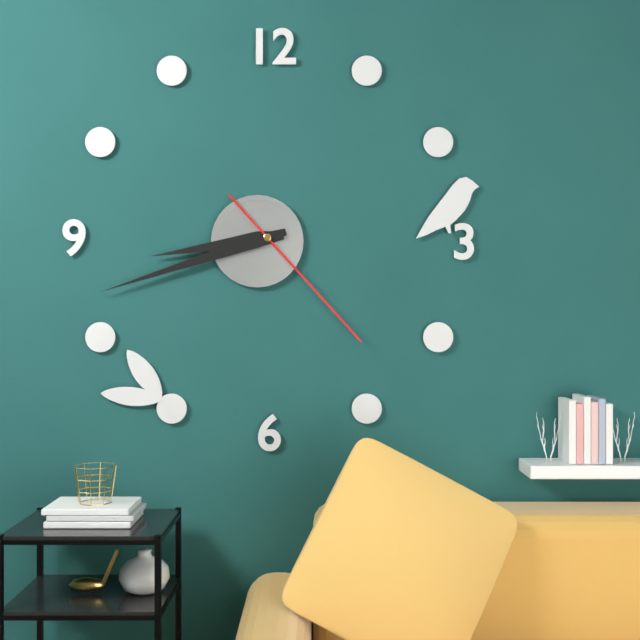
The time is 8h42m23s
